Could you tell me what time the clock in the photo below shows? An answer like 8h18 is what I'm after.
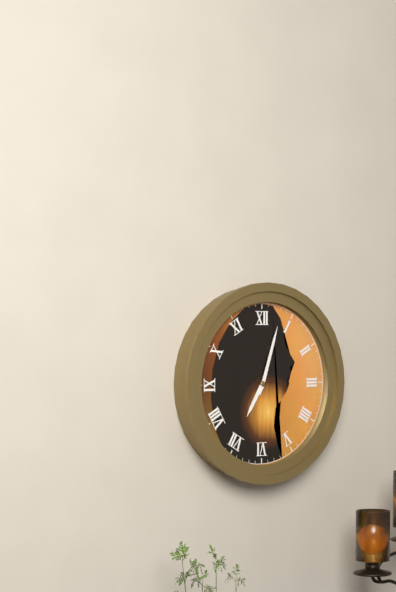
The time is 7h03
